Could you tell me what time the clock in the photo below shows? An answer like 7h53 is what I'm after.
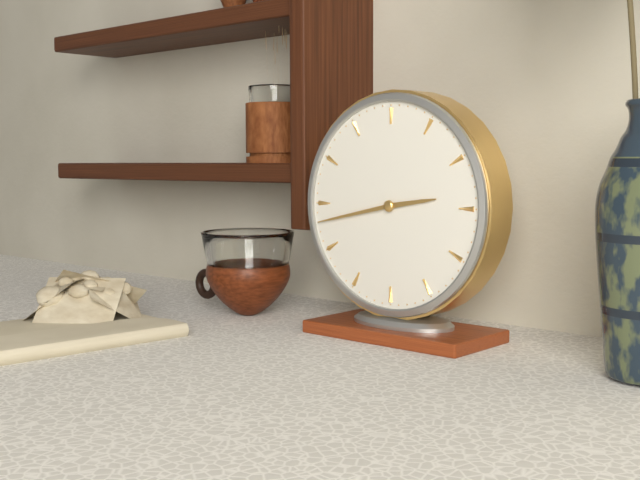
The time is 2h43
